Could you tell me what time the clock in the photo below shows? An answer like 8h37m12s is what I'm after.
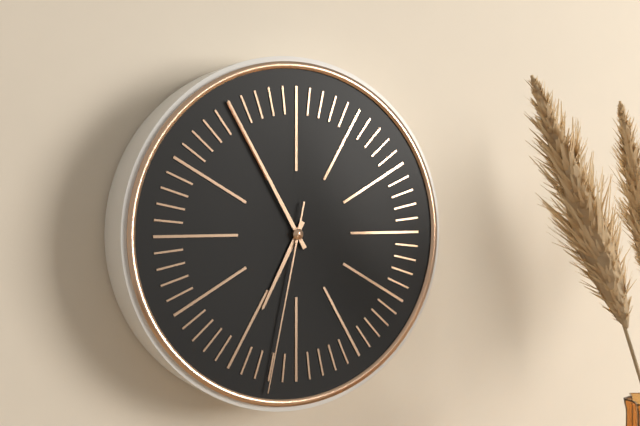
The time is 6h55m32s
